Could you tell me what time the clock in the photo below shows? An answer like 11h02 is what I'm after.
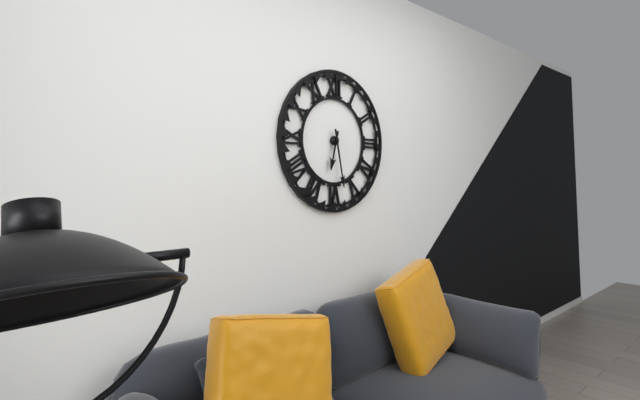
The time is 6h28
